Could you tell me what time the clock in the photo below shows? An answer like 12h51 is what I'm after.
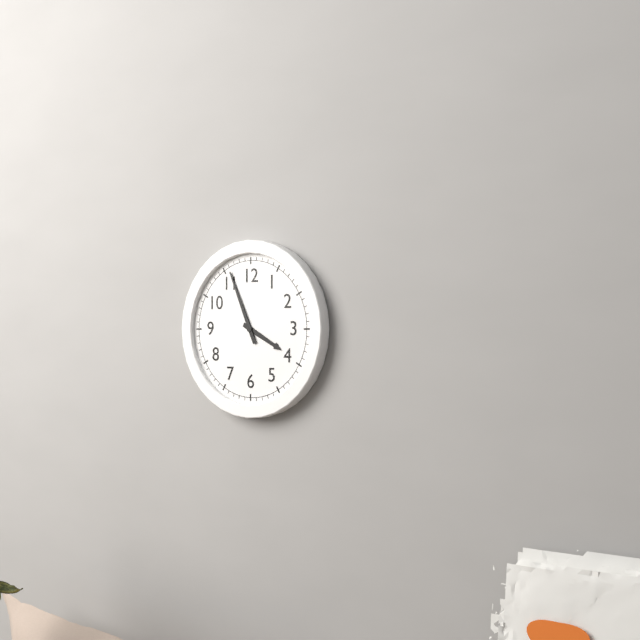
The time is 3h56
